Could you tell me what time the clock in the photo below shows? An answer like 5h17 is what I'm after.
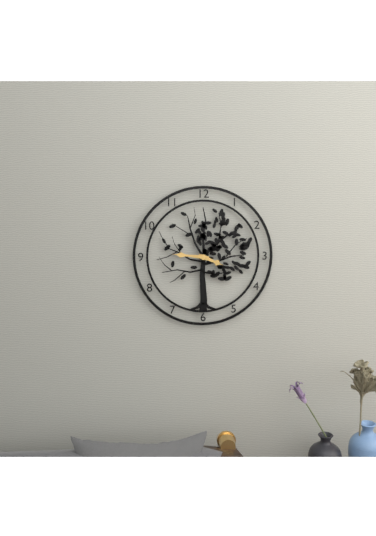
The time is 3h46
